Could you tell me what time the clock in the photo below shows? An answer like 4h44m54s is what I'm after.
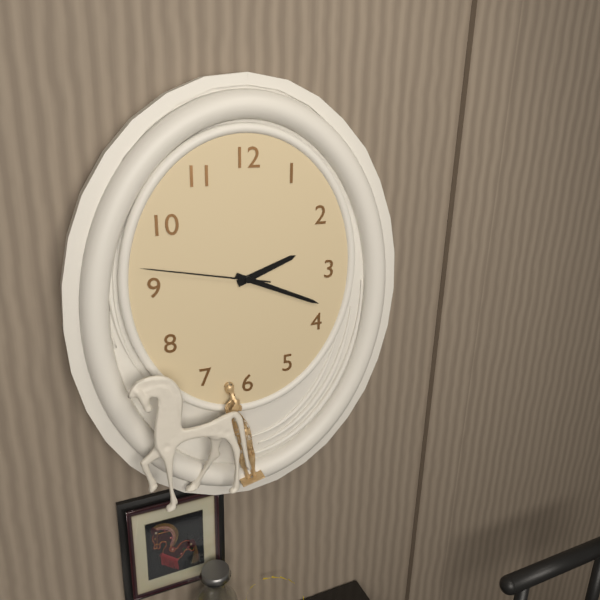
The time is 2h19m47s
